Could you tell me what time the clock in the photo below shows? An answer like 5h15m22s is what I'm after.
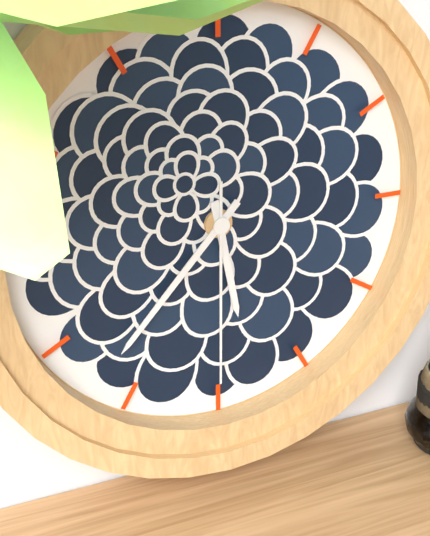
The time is 5h37m30s
